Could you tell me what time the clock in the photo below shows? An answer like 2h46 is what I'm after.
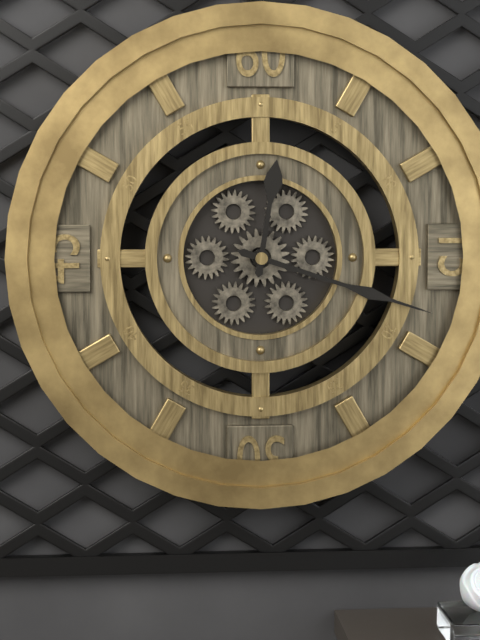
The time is 12h18
